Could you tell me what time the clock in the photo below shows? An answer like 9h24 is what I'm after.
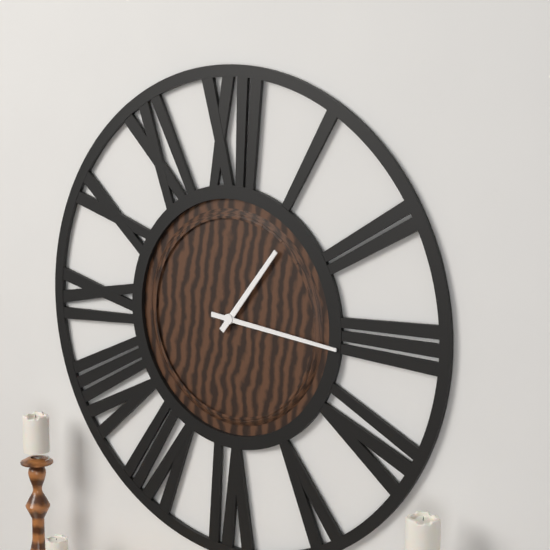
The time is 1h16
